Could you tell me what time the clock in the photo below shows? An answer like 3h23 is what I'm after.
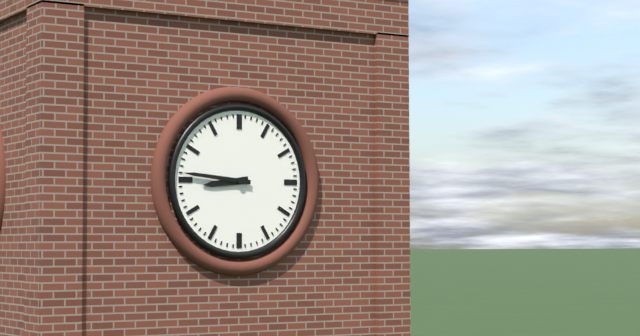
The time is 8h46
